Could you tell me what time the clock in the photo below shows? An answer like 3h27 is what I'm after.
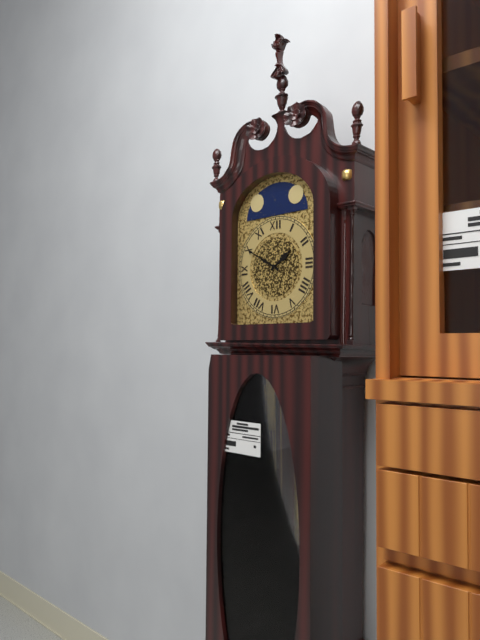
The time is 1h50
